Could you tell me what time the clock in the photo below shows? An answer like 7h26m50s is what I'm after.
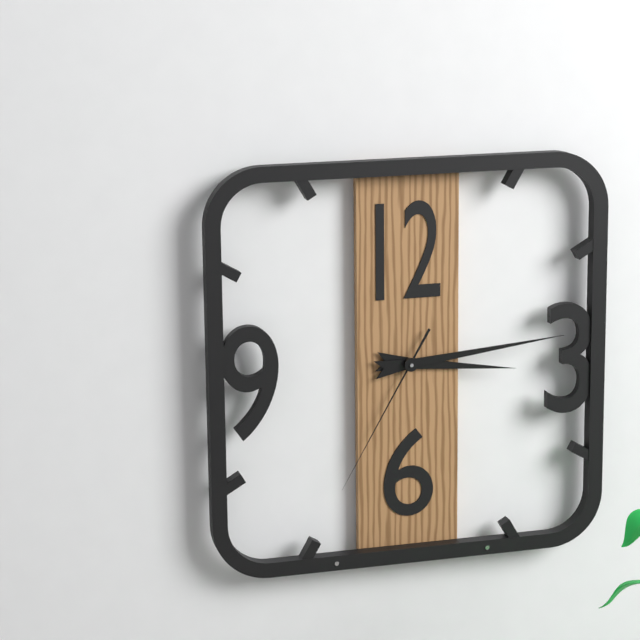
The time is 3h14m35s
